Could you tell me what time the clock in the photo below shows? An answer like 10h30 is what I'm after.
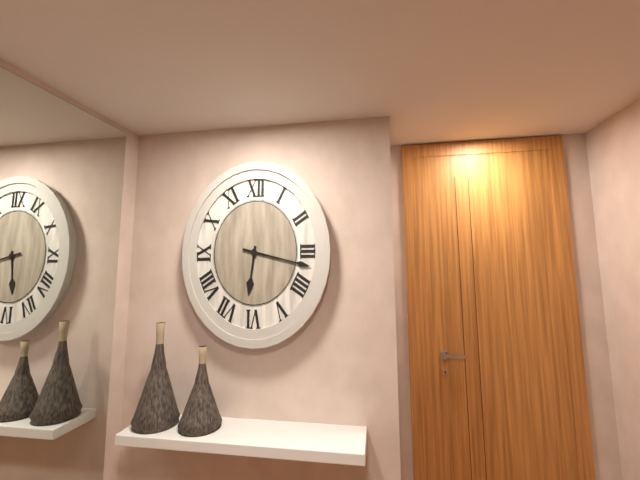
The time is 6h17
